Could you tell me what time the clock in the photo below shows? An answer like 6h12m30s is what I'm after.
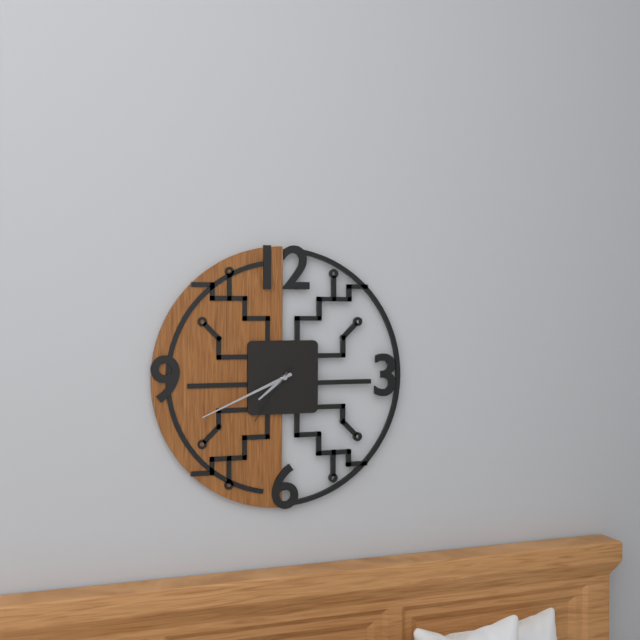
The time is 7h41m36s
